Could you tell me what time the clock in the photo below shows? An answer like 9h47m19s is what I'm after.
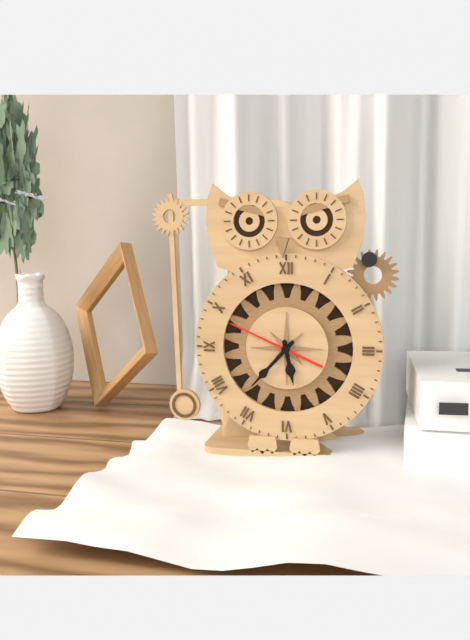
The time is 5h37m49s
